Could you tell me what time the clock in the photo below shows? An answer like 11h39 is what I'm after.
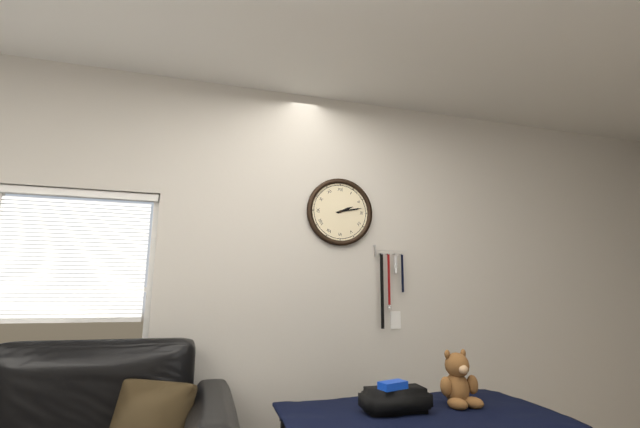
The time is 2h13
